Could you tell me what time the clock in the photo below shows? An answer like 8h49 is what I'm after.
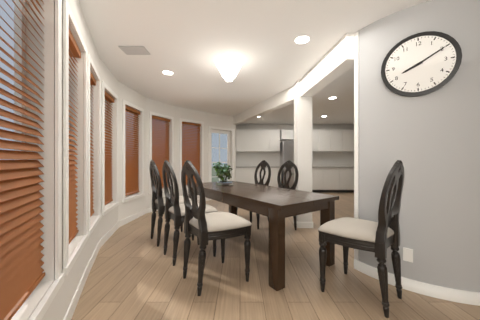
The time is 8h10
